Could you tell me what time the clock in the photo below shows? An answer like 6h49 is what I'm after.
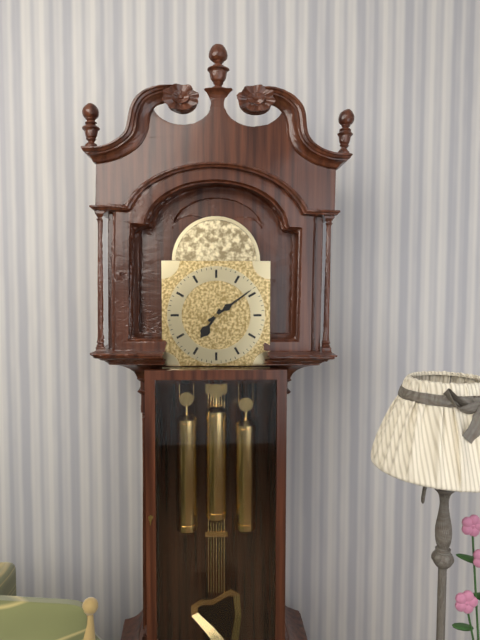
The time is 7h09
